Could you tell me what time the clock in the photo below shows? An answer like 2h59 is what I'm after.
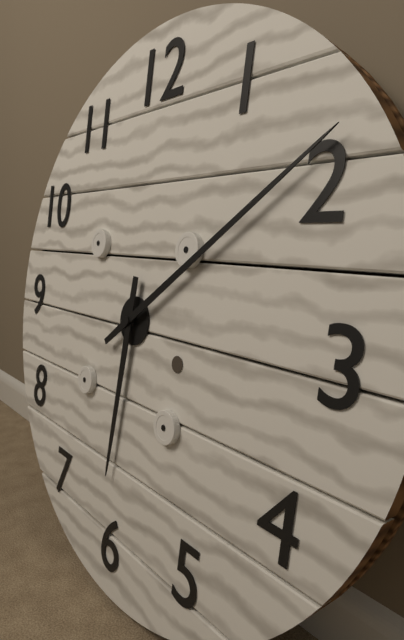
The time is 6h09
